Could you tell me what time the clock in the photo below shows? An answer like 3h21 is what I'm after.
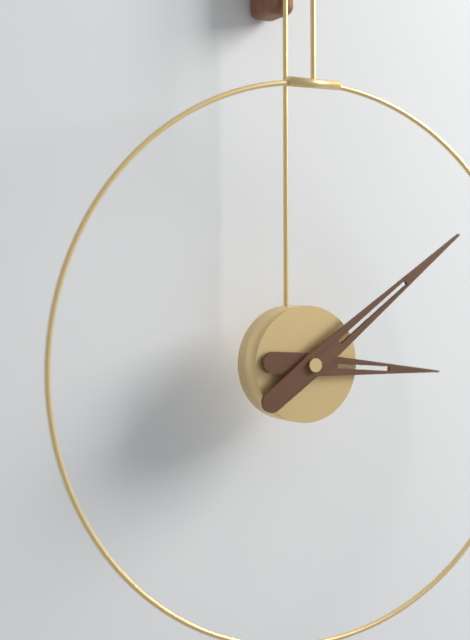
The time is 3h09
